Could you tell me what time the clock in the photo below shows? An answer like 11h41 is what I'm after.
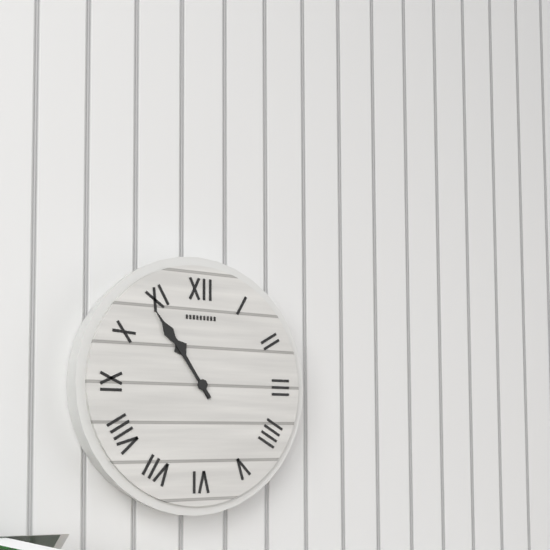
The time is 10h54
